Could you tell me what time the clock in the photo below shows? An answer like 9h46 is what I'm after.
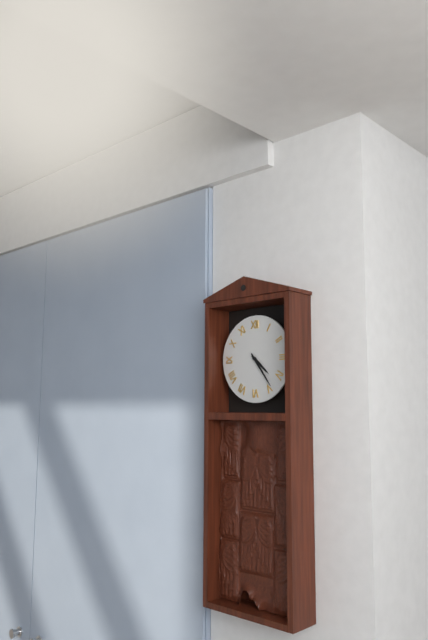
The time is 4h24
